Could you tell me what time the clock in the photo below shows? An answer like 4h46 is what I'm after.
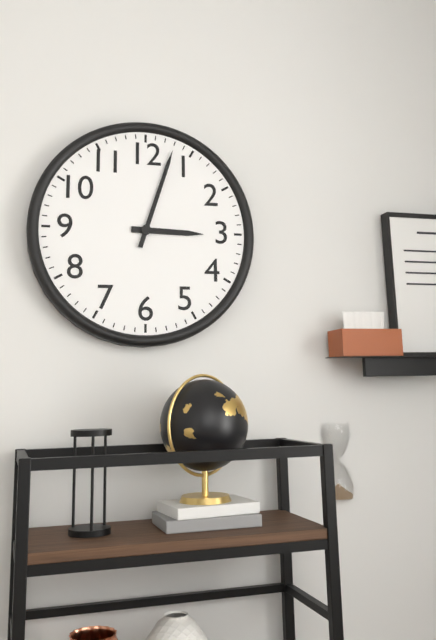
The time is 3h03
